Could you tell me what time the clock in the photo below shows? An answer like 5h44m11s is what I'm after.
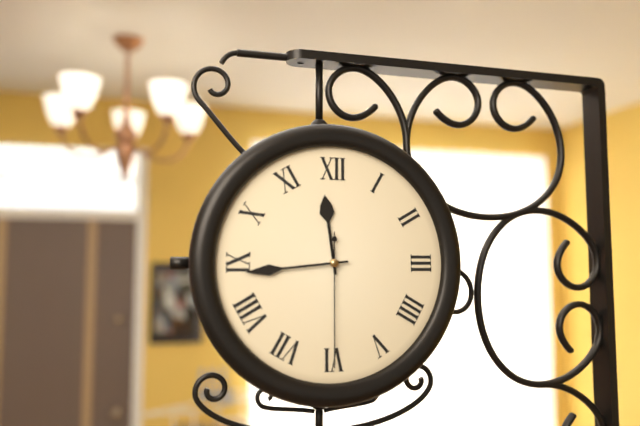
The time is 11h44m30s
